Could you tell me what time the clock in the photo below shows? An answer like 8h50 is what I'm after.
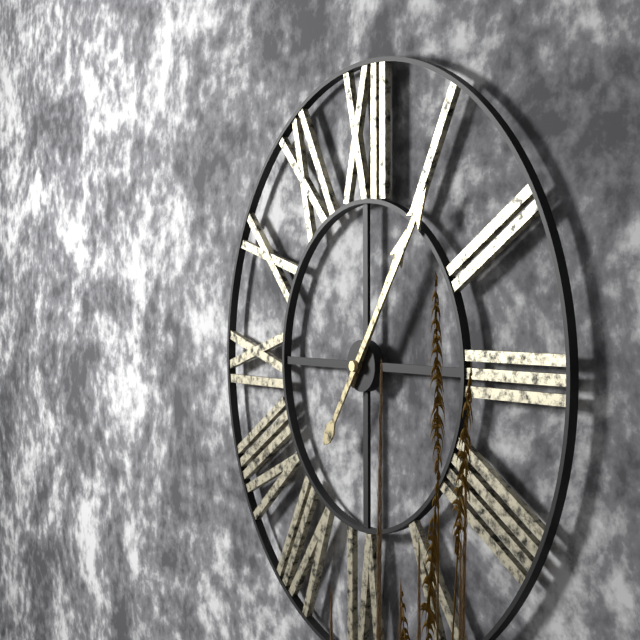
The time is 1h06
